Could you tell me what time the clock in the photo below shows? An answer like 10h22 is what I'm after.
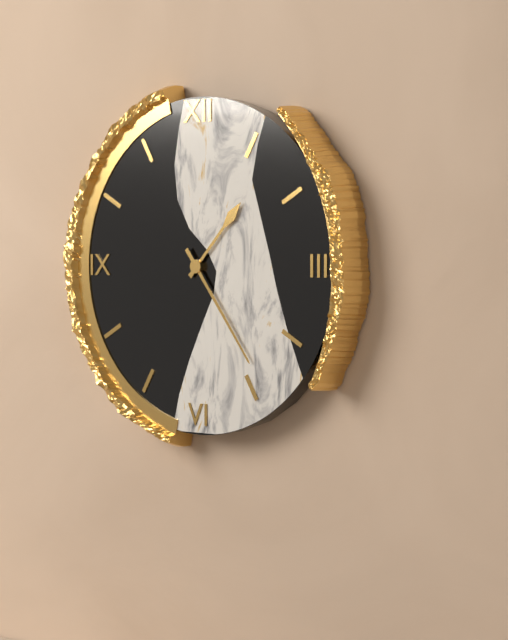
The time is 1h24
